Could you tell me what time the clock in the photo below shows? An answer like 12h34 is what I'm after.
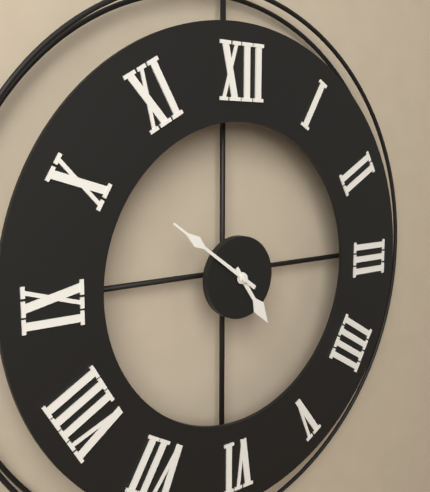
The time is 4h51
